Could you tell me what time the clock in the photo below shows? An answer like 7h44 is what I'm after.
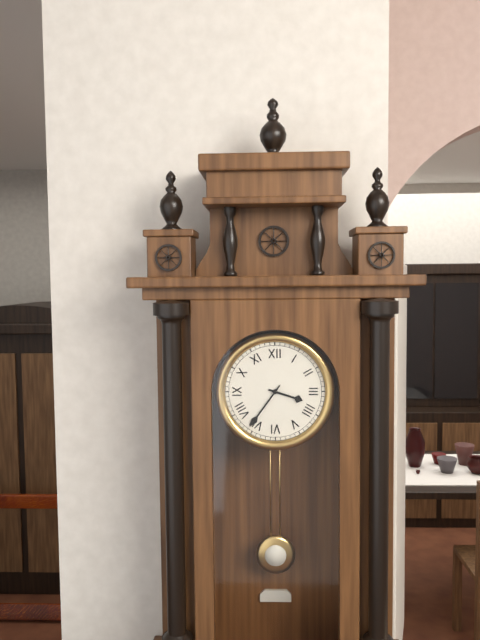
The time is 3h36
